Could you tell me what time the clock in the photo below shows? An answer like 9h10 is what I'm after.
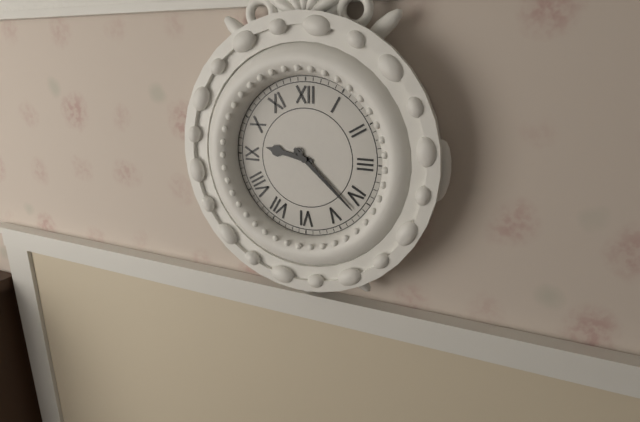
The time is 9h22
